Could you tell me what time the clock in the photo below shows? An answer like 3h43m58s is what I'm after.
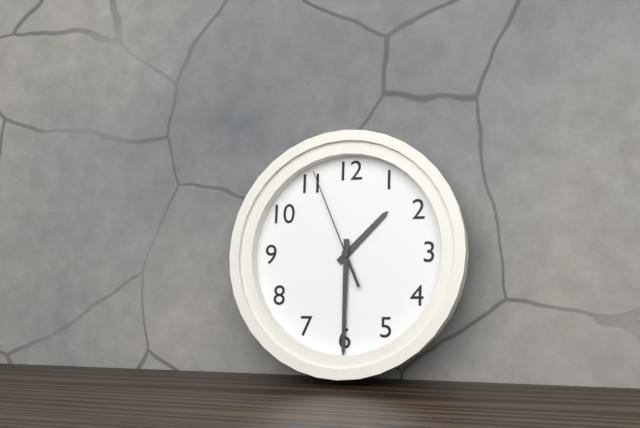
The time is 1h30m56s
